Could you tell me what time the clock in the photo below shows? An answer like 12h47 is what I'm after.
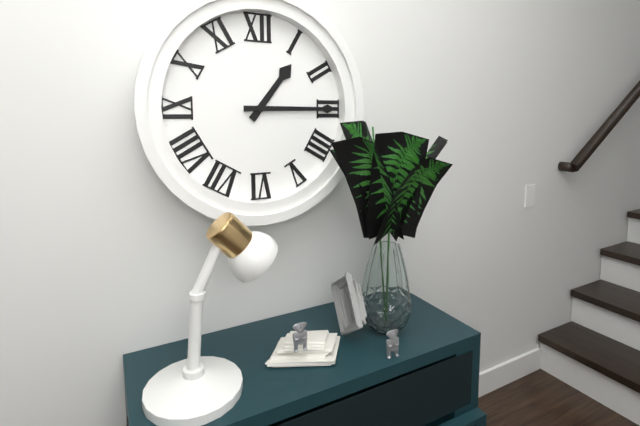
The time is 1h15
